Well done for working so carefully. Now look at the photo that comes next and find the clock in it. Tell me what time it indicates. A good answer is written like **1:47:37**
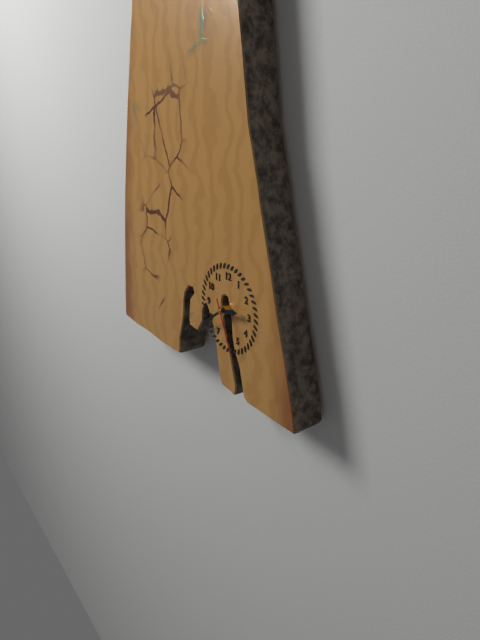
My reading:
**2:39:26**
